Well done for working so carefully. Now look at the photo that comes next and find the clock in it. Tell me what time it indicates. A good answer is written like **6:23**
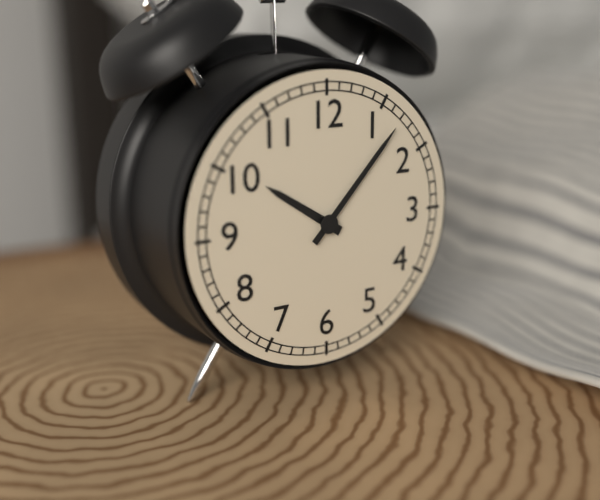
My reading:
**10:07**
